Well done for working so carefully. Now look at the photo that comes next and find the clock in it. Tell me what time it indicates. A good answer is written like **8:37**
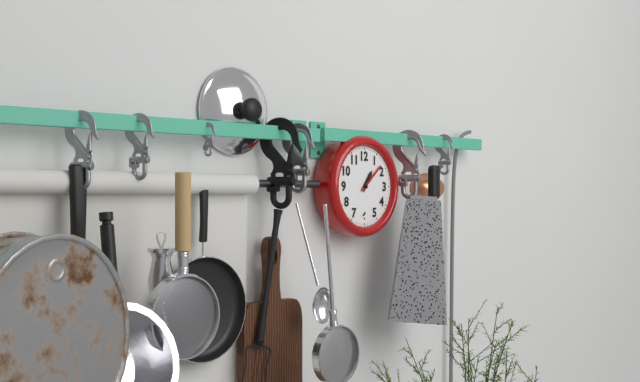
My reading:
**1:08**
